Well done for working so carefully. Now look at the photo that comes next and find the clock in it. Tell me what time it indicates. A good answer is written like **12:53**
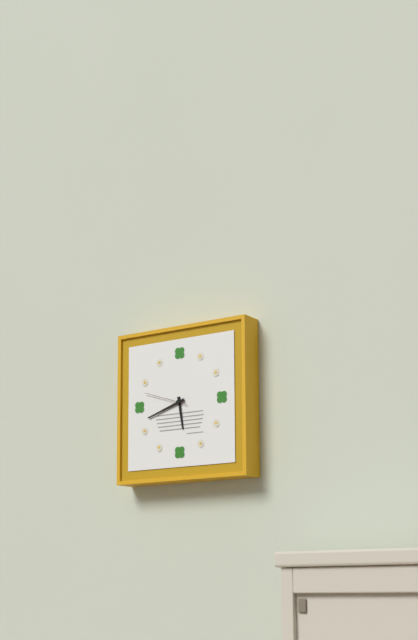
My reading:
**5:42**
